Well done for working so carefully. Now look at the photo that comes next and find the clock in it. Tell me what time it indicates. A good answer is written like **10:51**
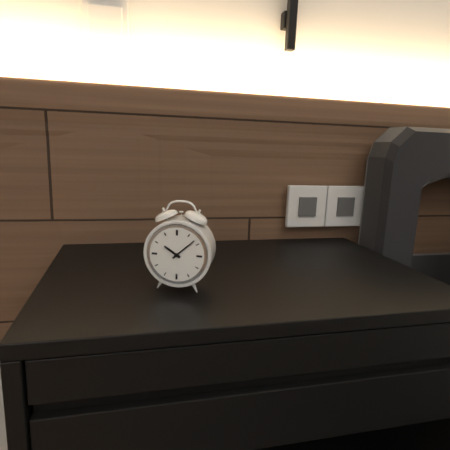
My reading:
**10:08**
